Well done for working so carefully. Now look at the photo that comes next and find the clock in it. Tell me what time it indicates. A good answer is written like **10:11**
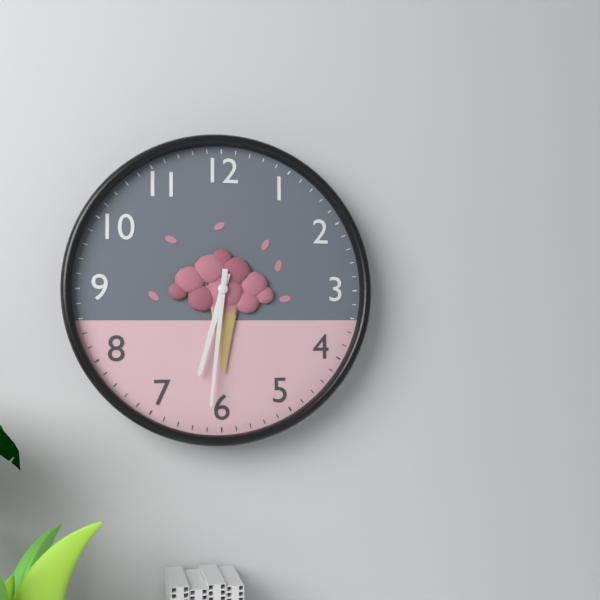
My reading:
**6:31**
